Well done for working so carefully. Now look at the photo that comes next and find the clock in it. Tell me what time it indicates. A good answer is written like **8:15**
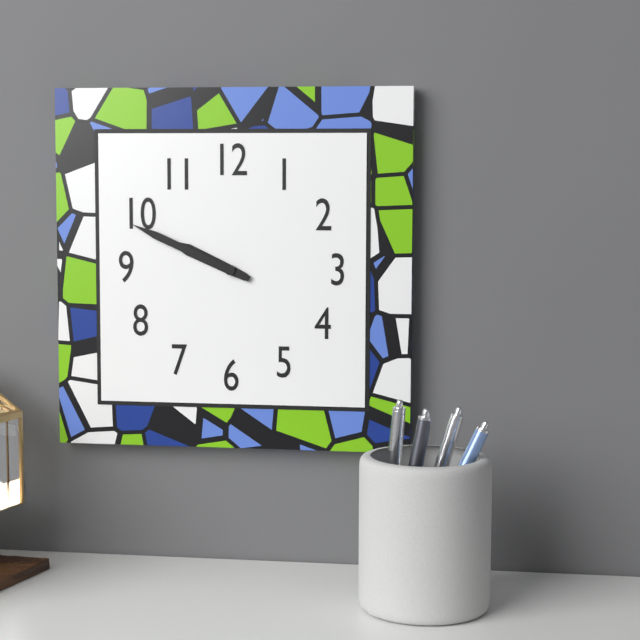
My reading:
**9:49**
